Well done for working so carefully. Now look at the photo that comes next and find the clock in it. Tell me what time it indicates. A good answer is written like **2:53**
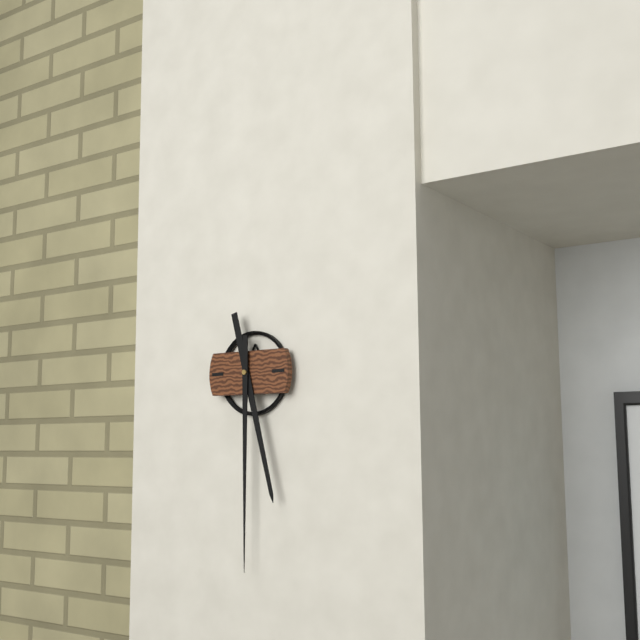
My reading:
**5:30**
